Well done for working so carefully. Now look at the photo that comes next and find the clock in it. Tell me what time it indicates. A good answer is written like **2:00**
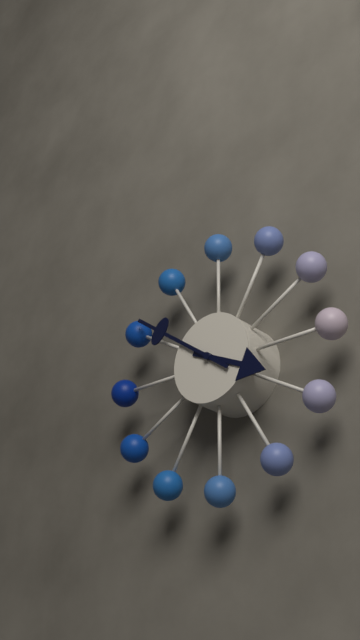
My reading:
**3:51**
